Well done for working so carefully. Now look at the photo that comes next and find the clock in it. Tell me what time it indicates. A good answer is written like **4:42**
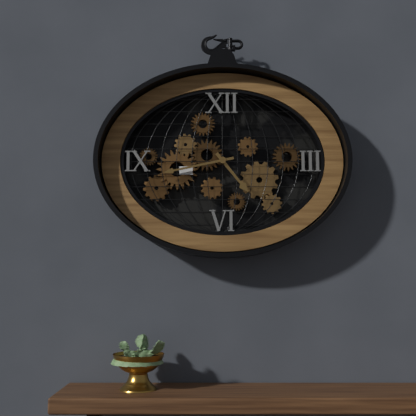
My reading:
**4:43**
